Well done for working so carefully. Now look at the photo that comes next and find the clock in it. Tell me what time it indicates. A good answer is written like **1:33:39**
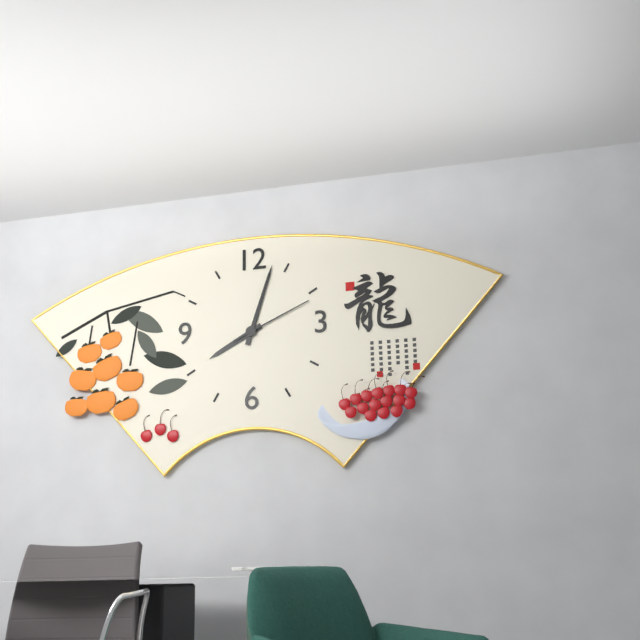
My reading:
**8:03:11**
